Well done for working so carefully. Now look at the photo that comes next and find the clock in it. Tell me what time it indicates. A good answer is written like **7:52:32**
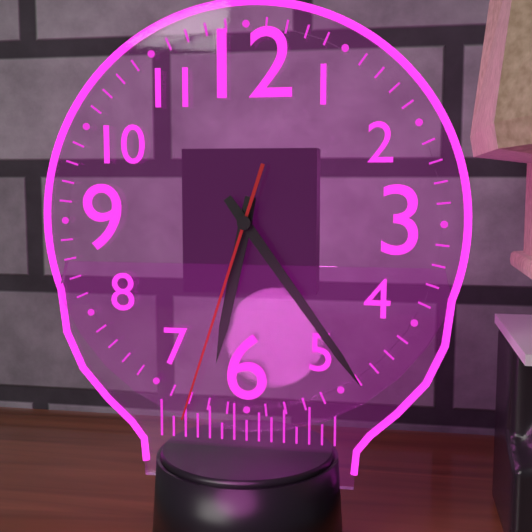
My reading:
**6:24:33**
